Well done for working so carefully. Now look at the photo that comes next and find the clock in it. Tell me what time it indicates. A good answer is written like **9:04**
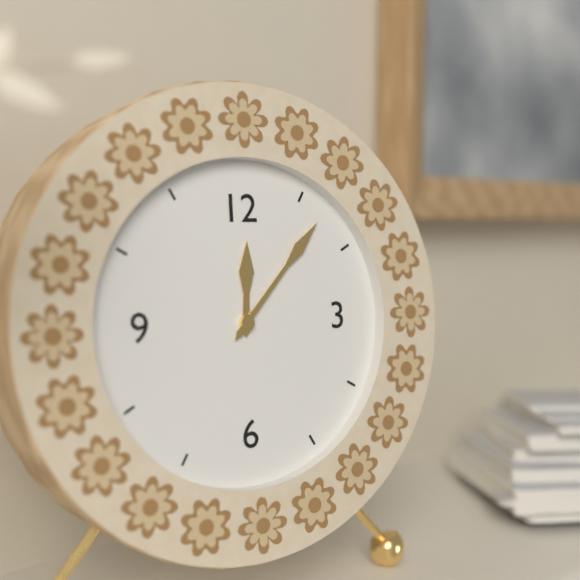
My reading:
**12:07**
